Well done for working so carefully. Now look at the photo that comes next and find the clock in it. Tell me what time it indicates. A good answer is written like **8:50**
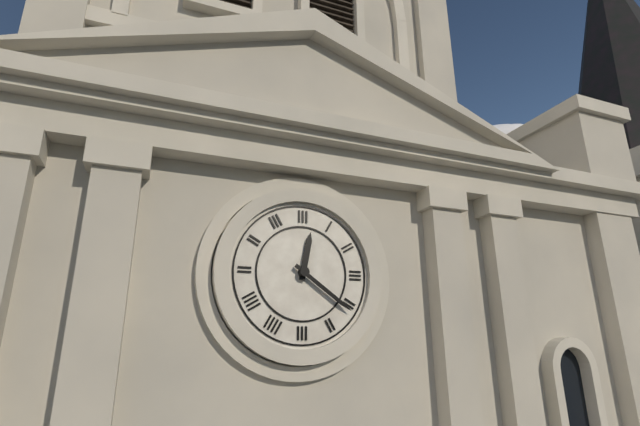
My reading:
**12:21**
